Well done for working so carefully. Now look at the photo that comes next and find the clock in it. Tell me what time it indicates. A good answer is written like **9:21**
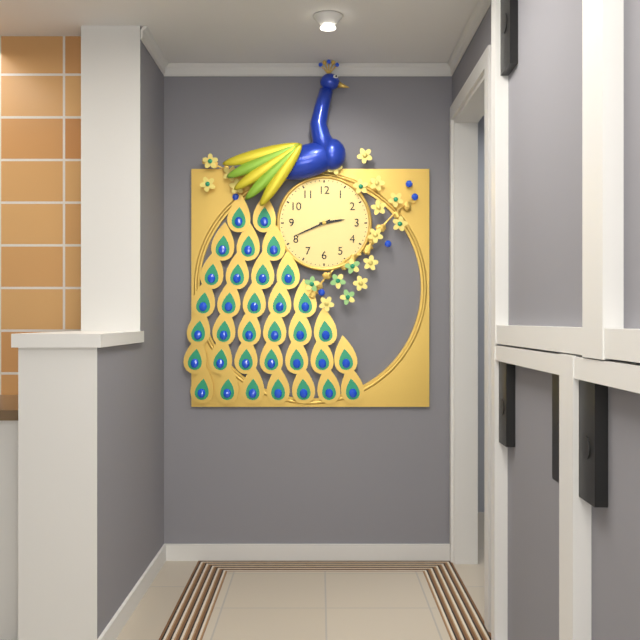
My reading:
**2:41**
